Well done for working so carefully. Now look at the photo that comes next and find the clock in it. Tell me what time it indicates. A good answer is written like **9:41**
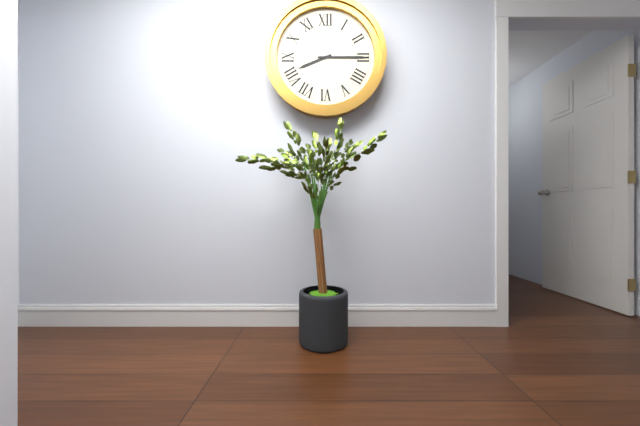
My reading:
**8:15**
